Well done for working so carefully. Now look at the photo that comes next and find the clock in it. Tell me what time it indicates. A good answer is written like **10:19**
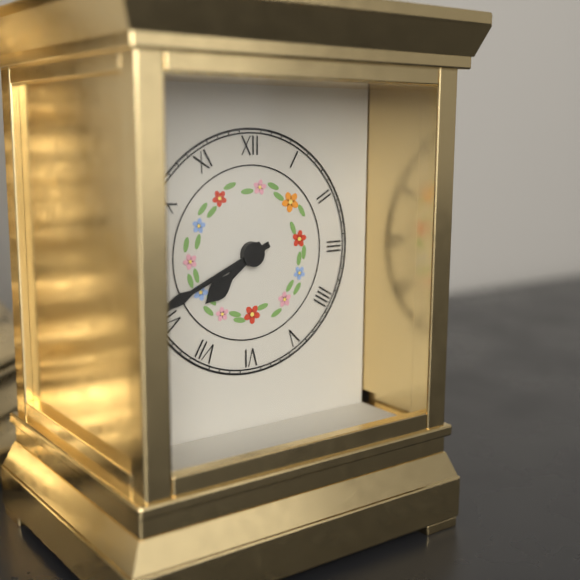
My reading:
**7:41**
